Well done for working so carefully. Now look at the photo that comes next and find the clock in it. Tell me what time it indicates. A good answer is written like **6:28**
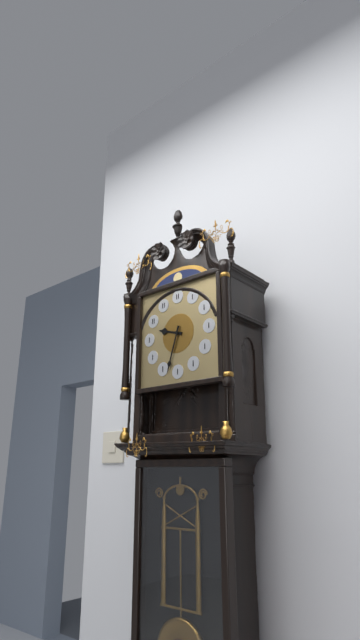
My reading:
**9:33**
